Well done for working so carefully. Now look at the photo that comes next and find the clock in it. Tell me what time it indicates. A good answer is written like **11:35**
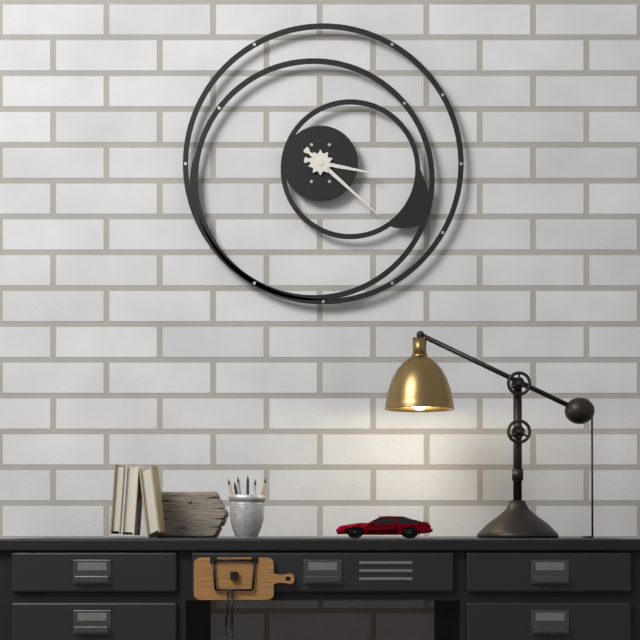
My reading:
**3:22**
